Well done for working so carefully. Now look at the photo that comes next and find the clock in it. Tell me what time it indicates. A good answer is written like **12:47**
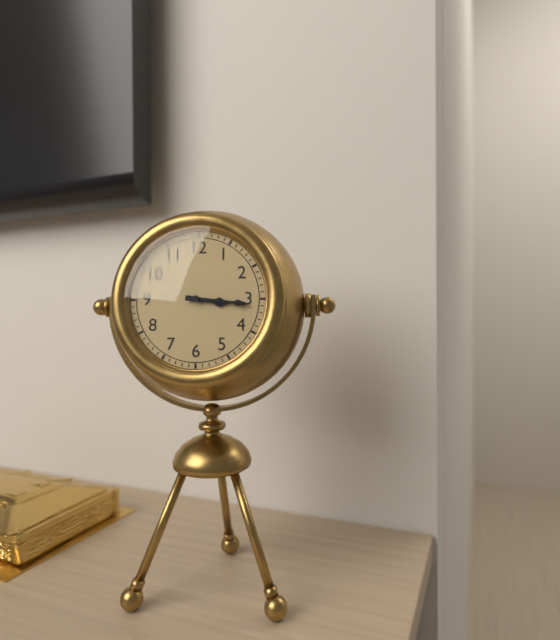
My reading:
**3:16**
